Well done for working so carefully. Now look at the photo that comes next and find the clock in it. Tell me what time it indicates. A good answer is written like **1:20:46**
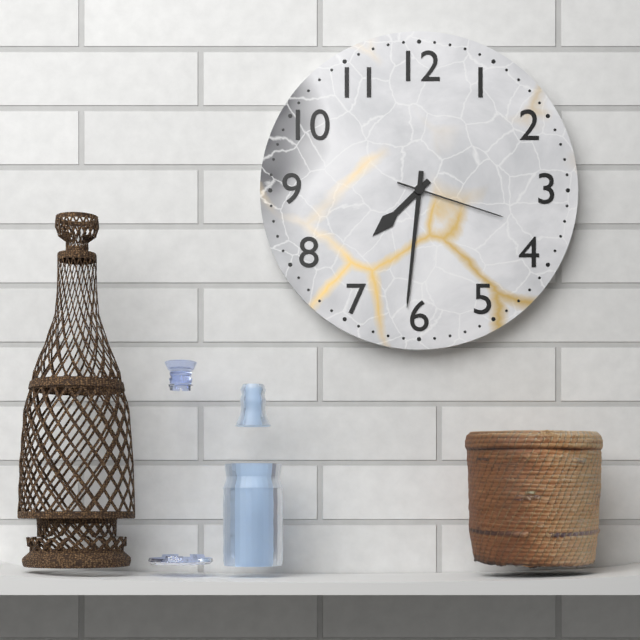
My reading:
**7:31:18**
